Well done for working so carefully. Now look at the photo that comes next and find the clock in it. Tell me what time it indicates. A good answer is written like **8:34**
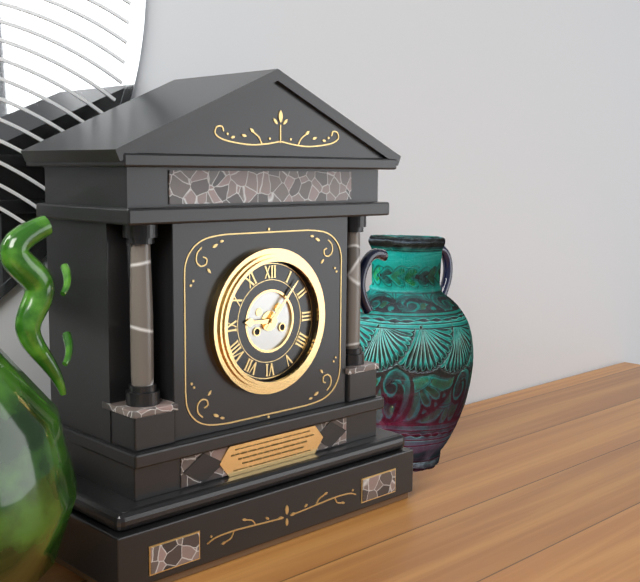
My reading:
**9:07**
